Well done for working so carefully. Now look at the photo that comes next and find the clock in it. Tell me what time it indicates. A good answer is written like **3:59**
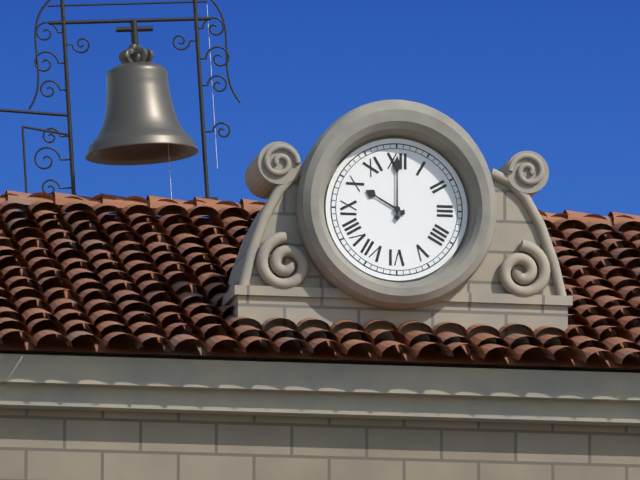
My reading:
**10:00**
